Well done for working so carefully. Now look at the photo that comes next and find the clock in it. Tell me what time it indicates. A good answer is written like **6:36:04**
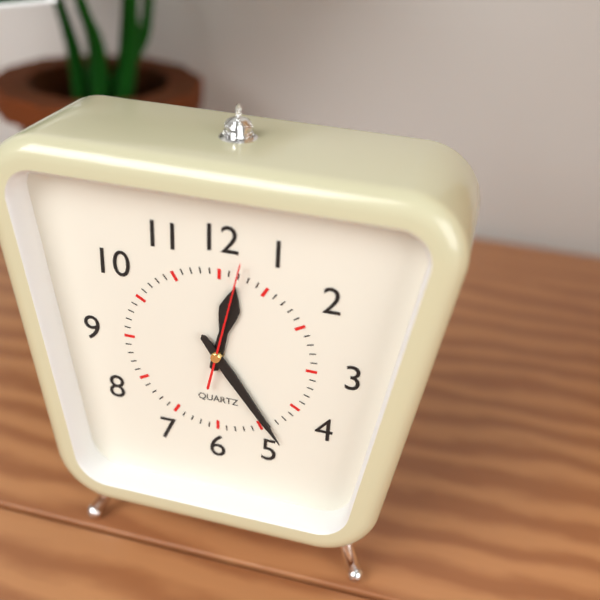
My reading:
**12:24:02**
